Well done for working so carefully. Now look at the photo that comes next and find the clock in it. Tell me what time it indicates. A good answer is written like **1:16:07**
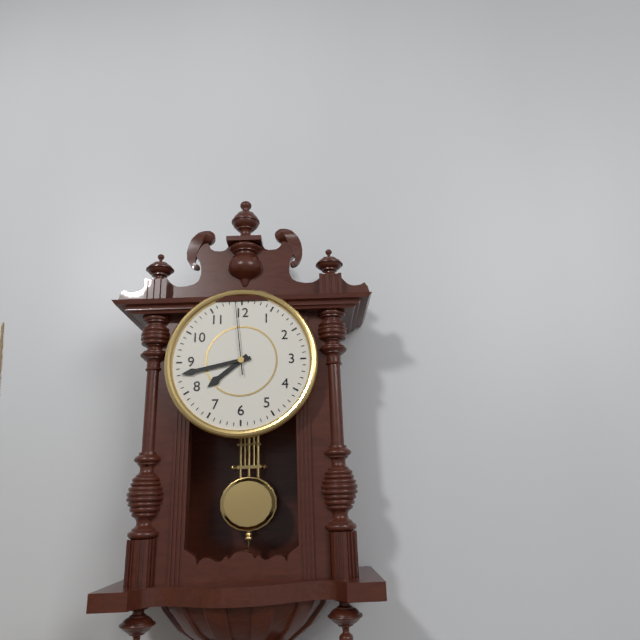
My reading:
**7:43:59**
